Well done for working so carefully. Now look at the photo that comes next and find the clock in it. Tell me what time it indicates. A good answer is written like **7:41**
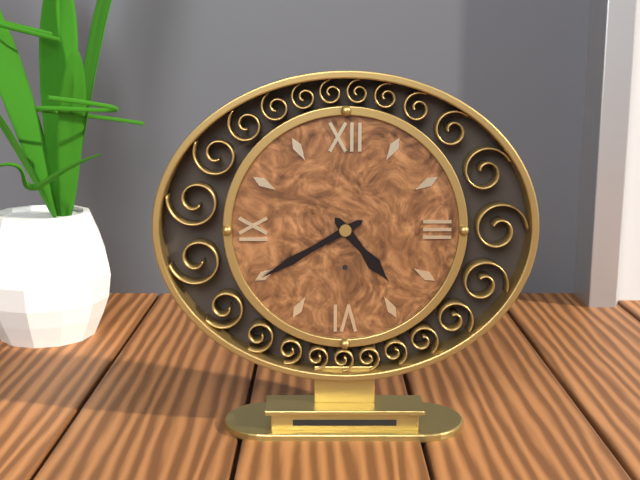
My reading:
**4:40**
